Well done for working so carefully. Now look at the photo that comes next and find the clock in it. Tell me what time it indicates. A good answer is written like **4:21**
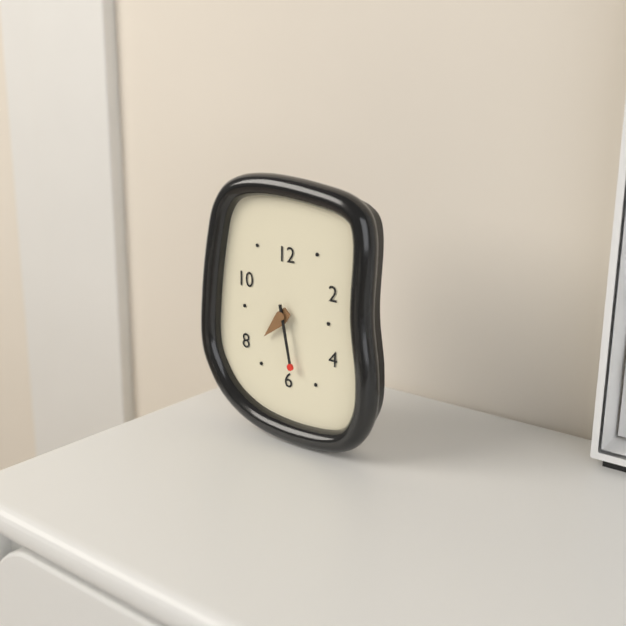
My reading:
**7:28**
